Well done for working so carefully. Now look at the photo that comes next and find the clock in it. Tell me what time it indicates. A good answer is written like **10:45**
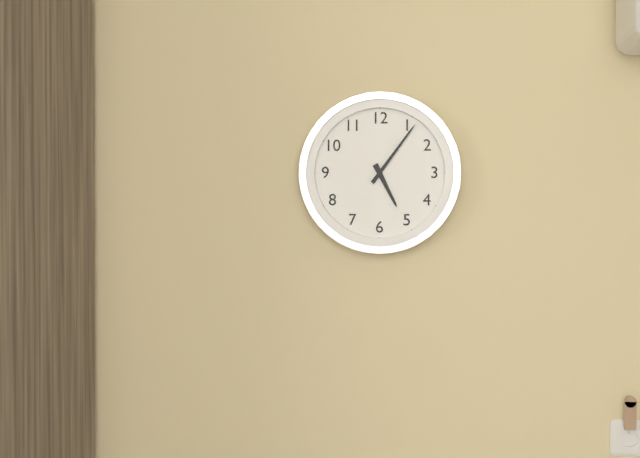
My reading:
**5:06**
